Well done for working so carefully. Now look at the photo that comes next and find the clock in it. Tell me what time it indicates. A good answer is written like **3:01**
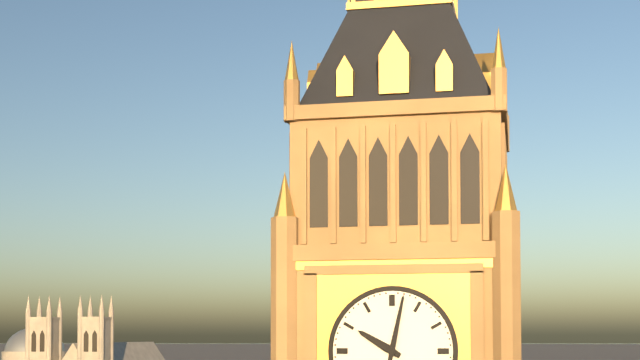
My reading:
**10:02**
